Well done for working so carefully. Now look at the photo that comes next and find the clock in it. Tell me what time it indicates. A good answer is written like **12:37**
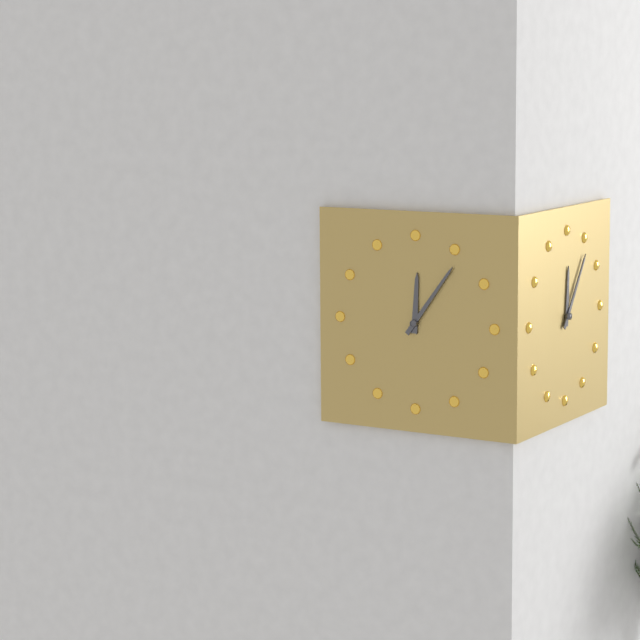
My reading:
**12:06**
